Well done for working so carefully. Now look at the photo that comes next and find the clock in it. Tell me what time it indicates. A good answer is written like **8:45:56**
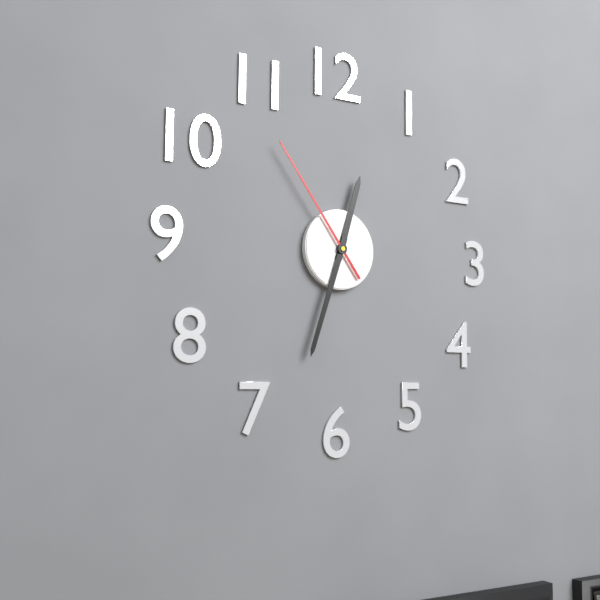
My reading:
**12:33:54**
